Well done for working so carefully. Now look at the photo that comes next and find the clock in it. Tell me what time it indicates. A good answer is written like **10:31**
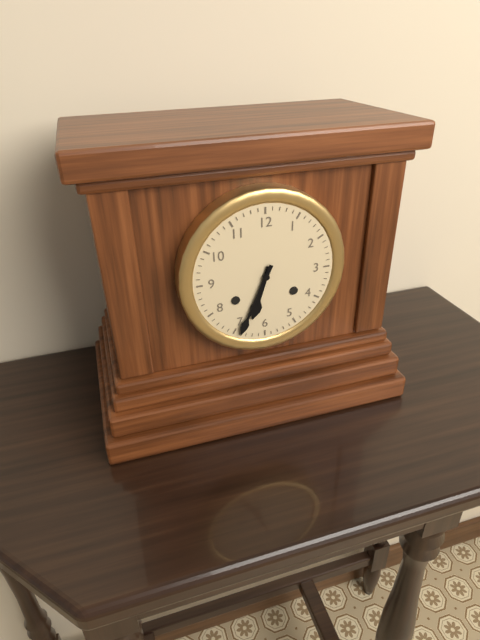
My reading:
**6:34**
